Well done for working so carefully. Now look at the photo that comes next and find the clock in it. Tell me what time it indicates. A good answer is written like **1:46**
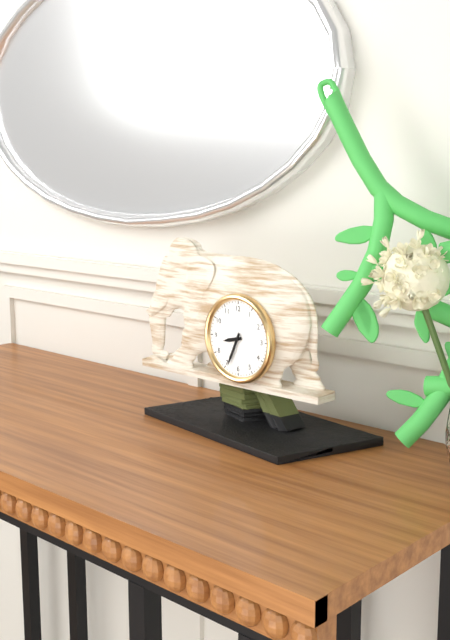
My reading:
**8:34**
